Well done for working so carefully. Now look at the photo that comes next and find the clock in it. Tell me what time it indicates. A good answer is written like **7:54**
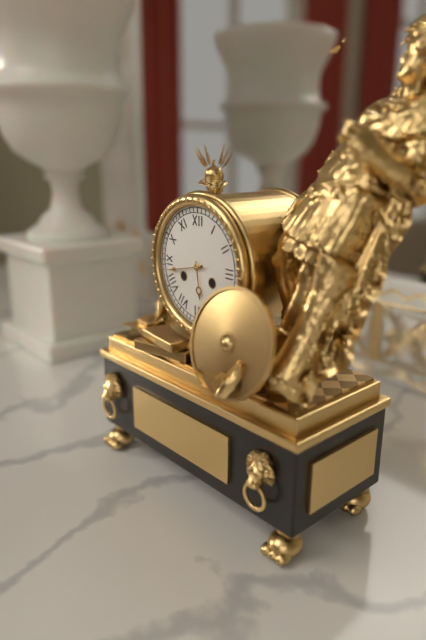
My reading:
**5:43**
